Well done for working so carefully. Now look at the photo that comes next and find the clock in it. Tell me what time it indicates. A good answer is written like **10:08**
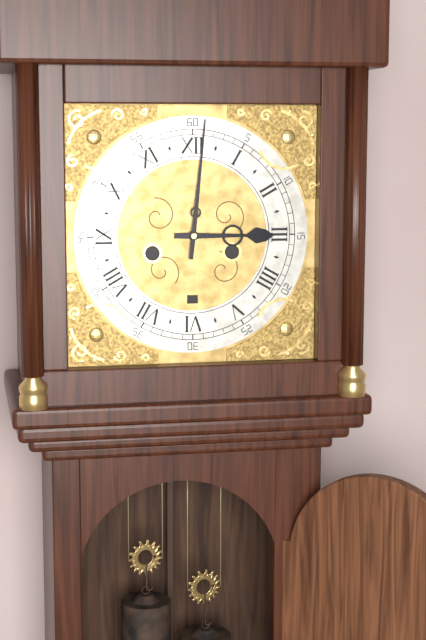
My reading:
**3:01**
